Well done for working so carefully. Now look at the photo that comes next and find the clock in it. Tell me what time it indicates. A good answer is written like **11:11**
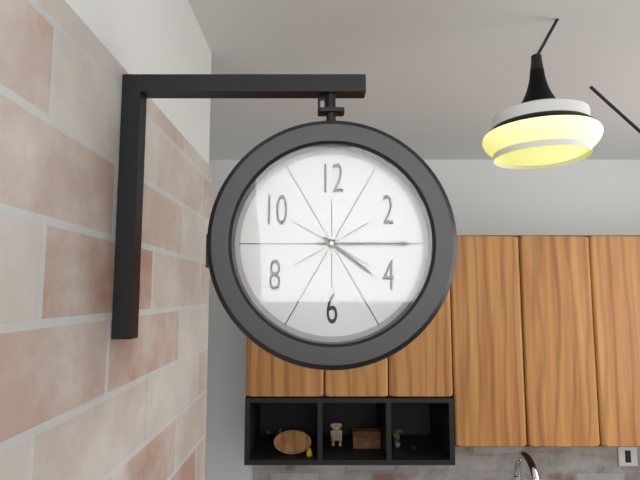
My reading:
**4:15**
